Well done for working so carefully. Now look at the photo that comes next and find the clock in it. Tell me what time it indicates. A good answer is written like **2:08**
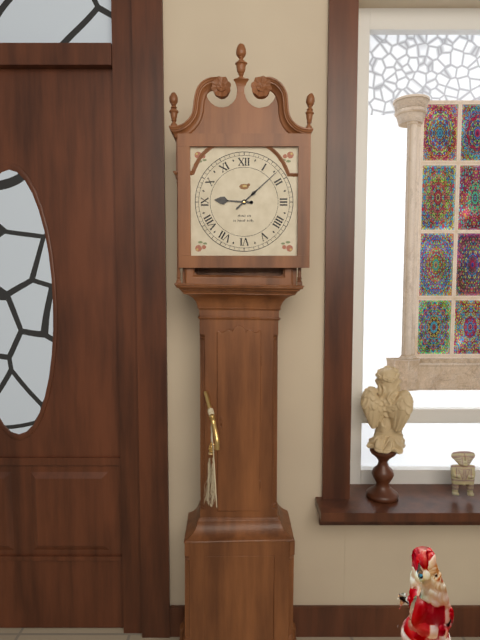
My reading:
**9:08**
